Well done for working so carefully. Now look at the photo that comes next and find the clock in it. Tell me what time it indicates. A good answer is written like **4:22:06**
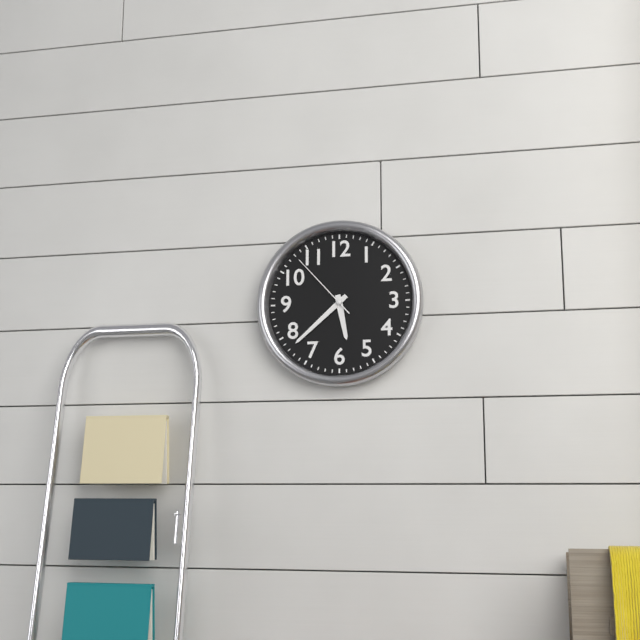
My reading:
**5:38:53**
